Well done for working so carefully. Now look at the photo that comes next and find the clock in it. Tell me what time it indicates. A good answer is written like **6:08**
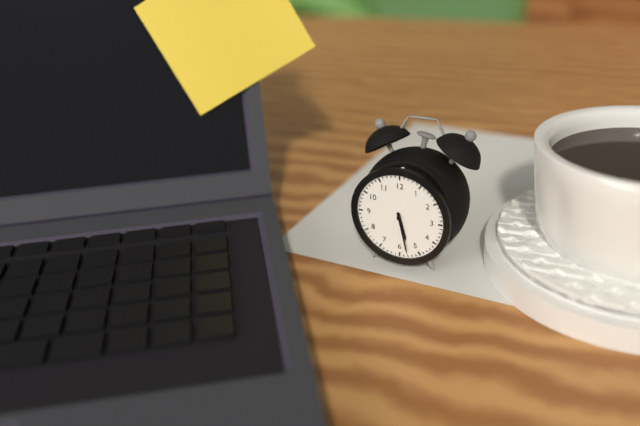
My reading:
**5:28**
